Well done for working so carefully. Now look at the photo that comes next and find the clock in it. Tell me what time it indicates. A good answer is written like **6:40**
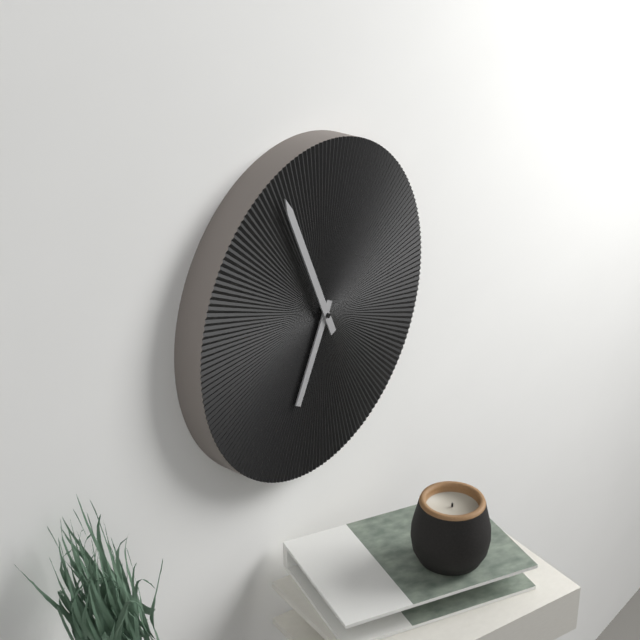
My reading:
**6:56**
